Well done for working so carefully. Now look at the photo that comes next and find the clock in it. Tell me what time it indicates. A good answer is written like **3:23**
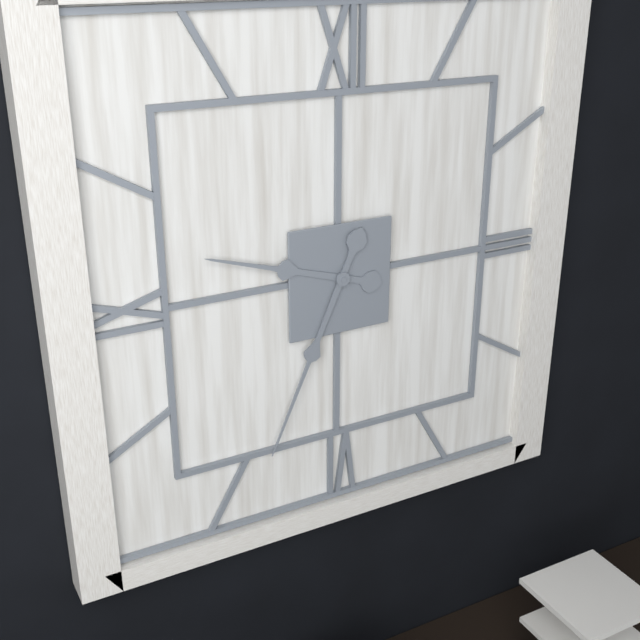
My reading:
**9:34**
